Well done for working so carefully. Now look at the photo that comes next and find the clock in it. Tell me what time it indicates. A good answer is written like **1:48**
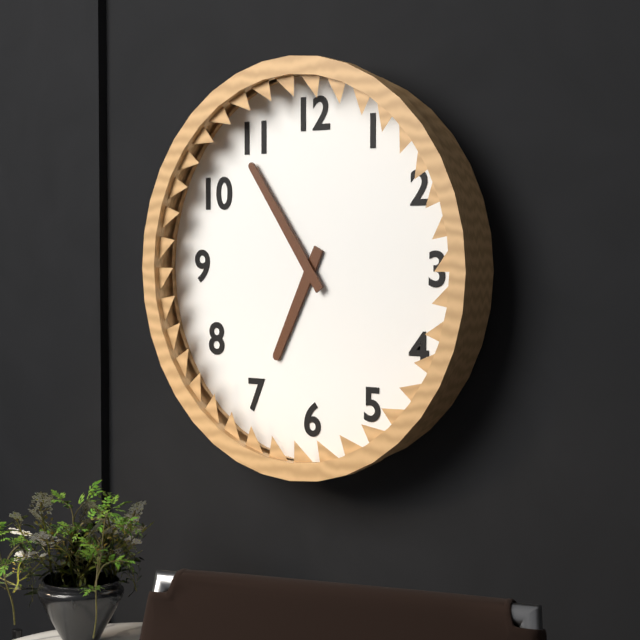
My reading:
**6:54**
